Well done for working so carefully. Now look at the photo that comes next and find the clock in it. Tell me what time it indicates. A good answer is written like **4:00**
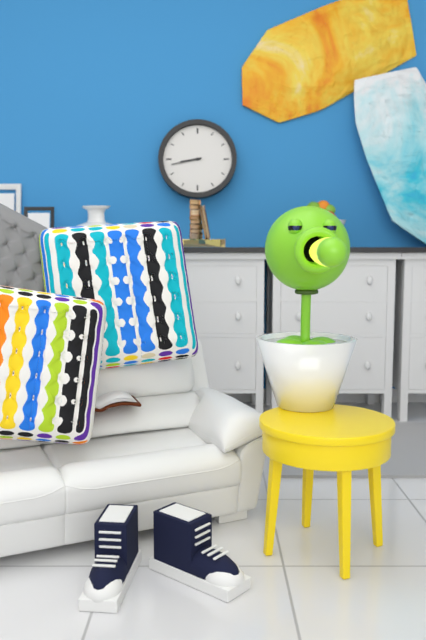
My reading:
**8:43**
